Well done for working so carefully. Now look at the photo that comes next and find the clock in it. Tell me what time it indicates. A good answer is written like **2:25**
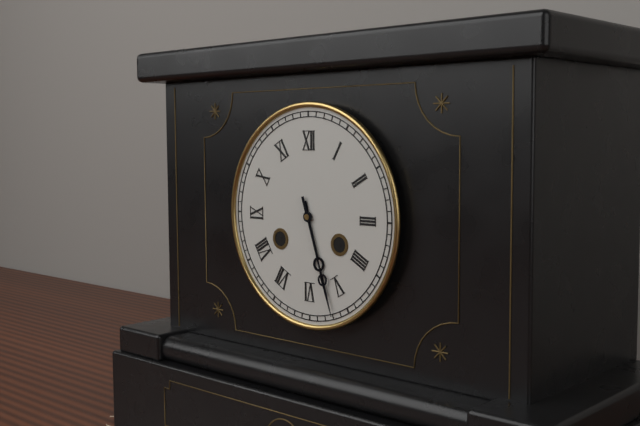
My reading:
**5:27**
